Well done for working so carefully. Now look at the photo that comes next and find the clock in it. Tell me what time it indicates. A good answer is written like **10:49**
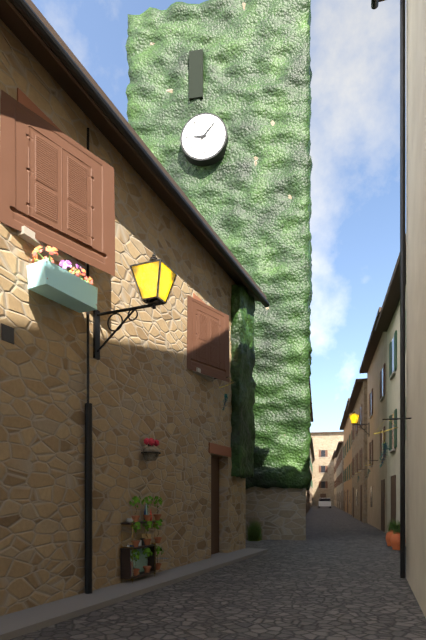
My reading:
**9:07**
